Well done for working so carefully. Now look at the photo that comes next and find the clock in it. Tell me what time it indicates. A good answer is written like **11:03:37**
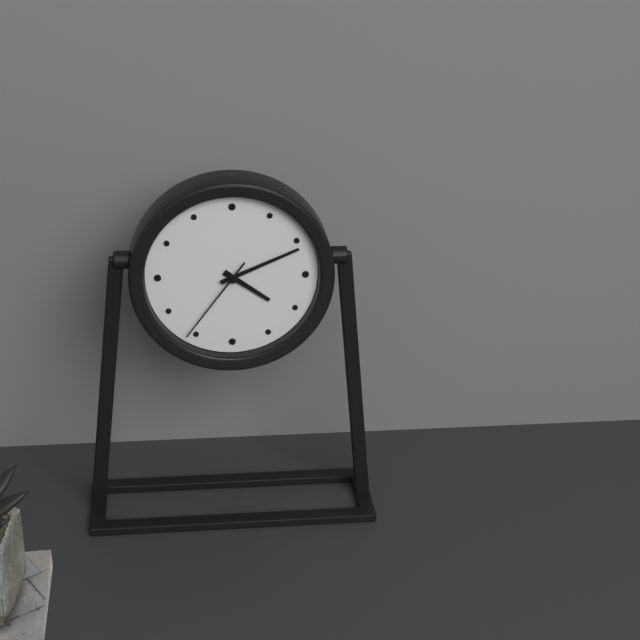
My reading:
**4:11:36**
